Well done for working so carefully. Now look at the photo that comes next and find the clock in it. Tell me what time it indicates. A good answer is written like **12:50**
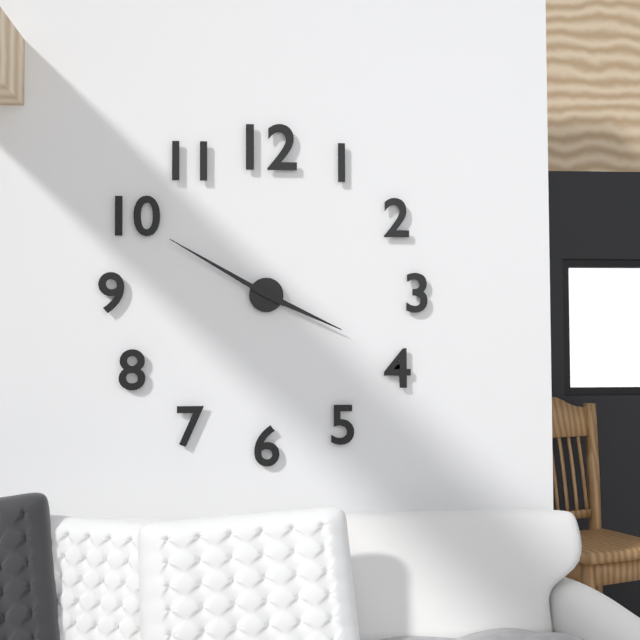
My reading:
**3:50**
